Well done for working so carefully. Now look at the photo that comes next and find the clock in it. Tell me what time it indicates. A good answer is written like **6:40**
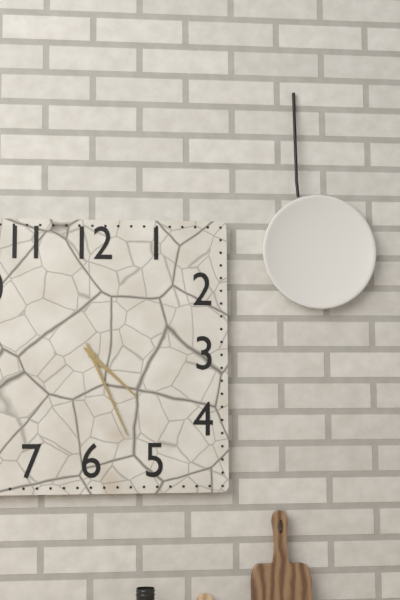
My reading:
**4:26**
